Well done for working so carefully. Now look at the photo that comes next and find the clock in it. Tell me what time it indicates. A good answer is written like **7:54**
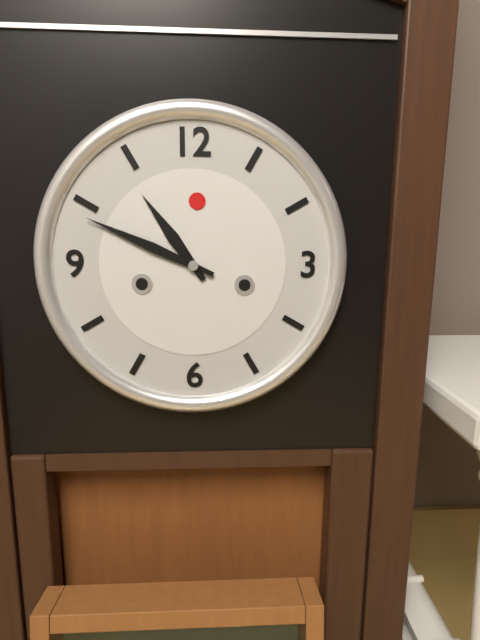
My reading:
**10:49**
